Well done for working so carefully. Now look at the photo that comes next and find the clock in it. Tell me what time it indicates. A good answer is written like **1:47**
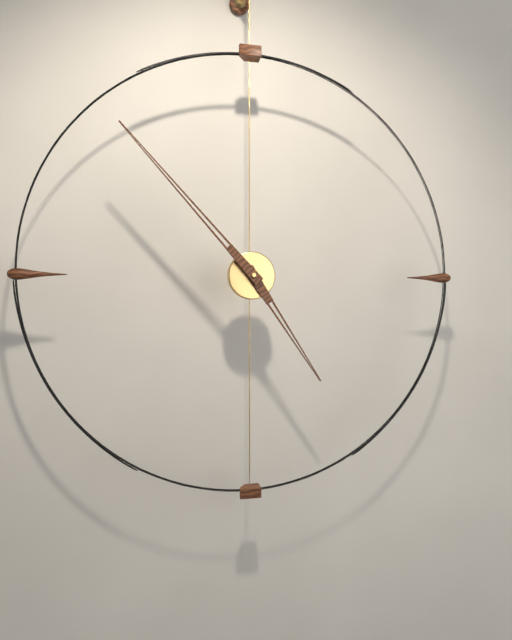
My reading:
**4:53**
